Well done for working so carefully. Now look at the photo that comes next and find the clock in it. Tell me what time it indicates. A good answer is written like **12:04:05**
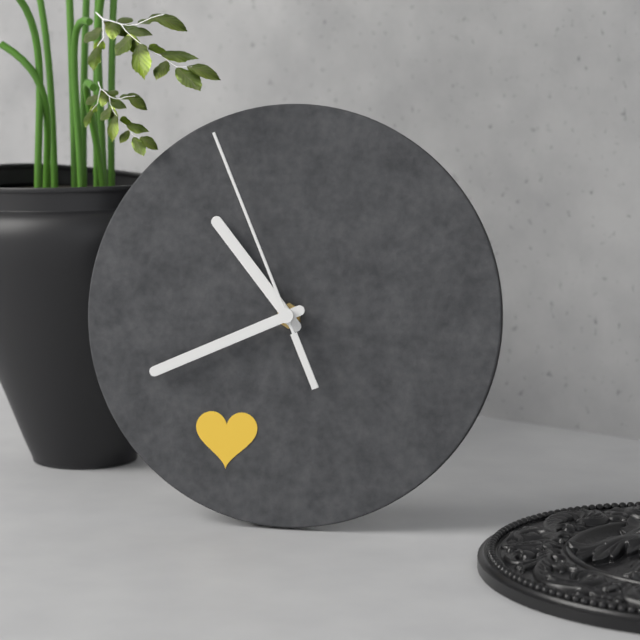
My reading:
**10:41:56**
